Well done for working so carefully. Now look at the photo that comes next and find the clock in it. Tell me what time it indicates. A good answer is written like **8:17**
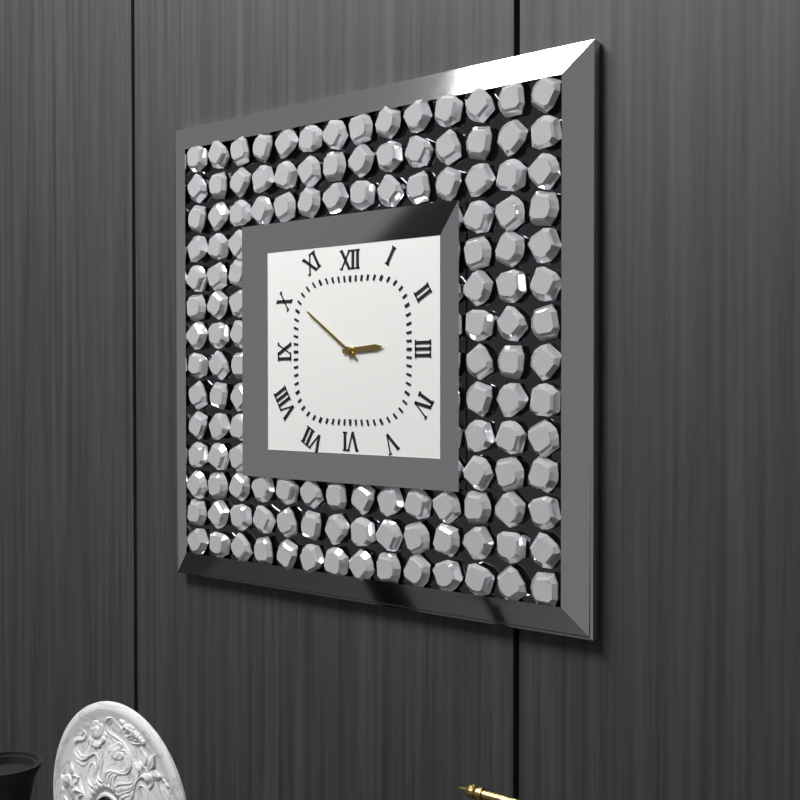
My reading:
**2:51**
